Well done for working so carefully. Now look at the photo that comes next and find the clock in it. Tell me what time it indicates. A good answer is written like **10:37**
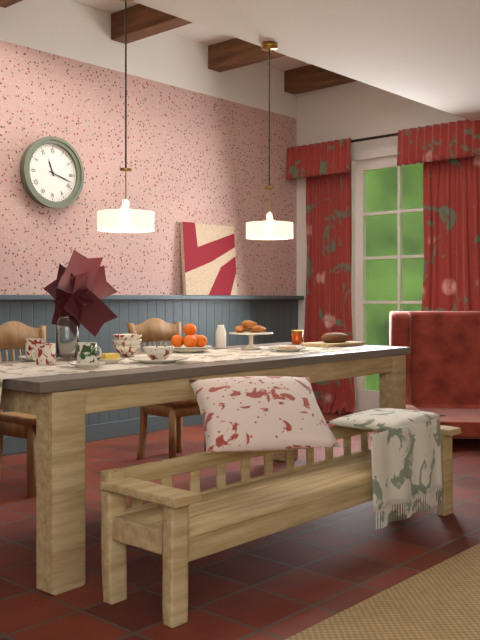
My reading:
**11:18**
